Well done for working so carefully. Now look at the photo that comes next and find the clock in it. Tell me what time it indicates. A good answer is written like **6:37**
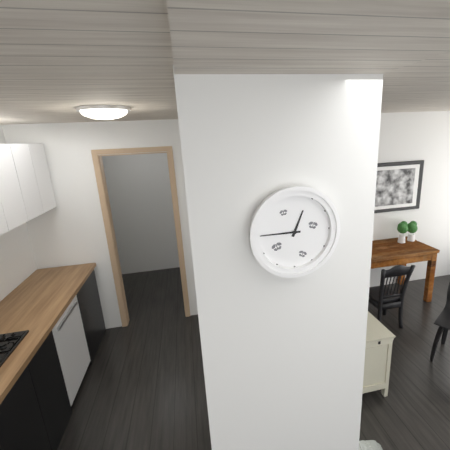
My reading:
**12:45**
